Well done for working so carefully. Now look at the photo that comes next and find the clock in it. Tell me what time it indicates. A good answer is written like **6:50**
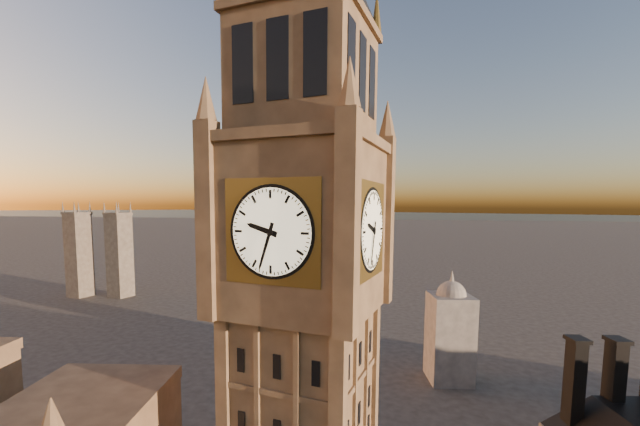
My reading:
**9:33**
